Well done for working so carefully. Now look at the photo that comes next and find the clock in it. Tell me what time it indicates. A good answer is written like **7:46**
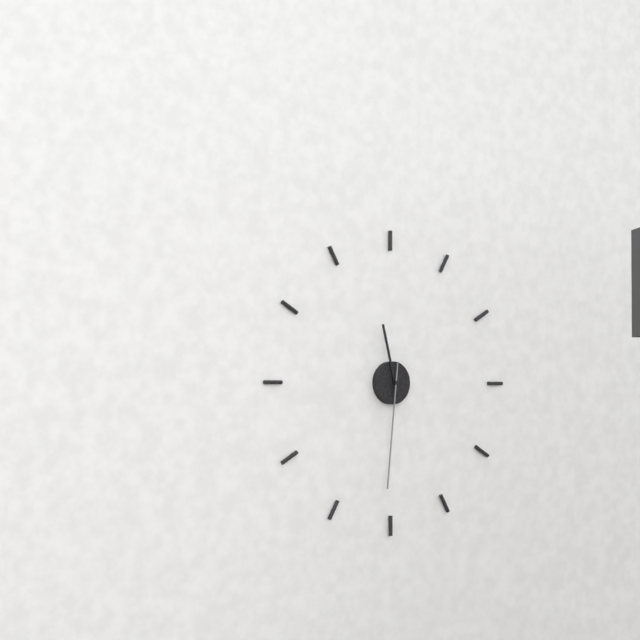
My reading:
**11:31**
